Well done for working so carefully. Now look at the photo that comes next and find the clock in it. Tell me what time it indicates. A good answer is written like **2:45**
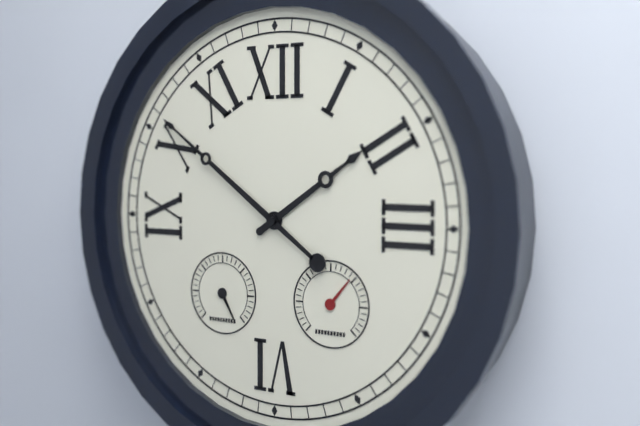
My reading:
**1:51**
